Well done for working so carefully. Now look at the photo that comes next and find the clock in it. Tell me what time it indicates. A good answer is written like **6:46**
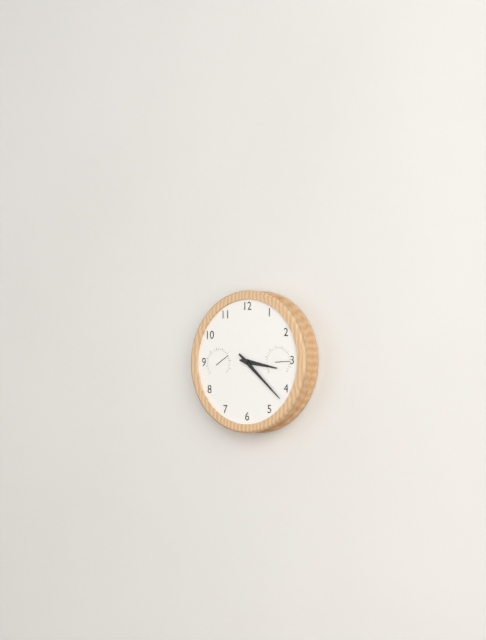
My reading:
**3:22**
